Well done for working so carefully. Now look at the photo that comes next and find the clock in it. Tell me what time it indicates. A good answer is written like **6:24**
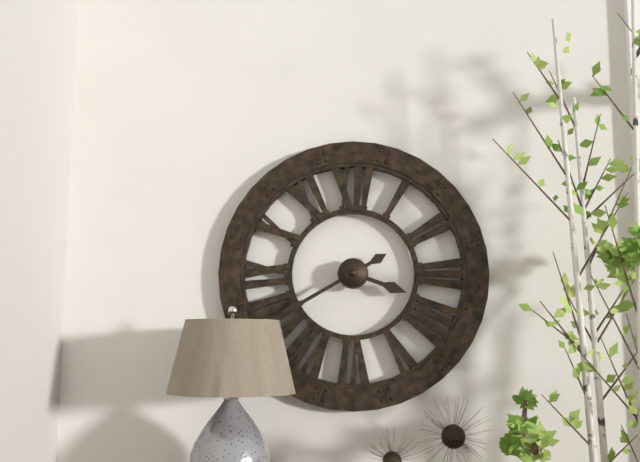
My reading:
**3:40**
